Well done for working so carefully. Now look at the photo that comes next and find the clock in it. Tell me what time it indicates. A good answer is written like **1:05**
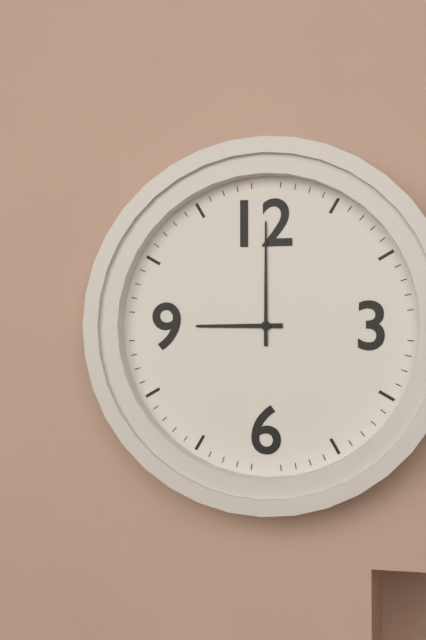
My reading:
**9:00**
